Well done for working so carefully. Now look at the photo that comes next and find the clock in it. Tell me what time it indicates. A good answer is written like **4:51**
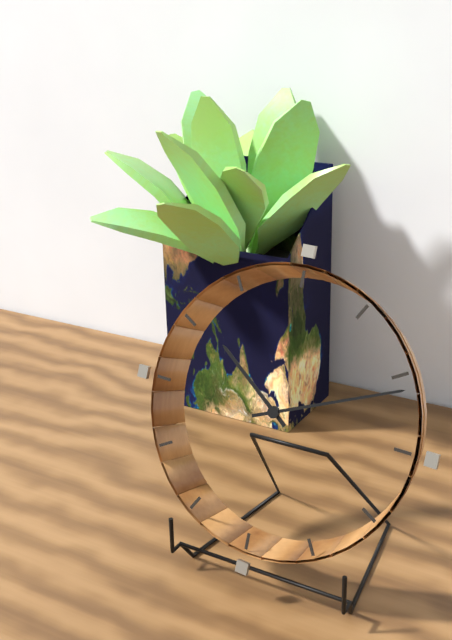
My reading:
**10:11**
